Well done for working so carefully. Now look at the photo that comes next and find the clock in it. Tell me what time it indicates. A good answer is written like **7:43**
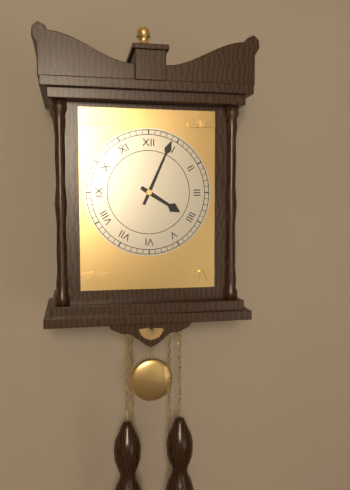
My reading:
**4:04**
